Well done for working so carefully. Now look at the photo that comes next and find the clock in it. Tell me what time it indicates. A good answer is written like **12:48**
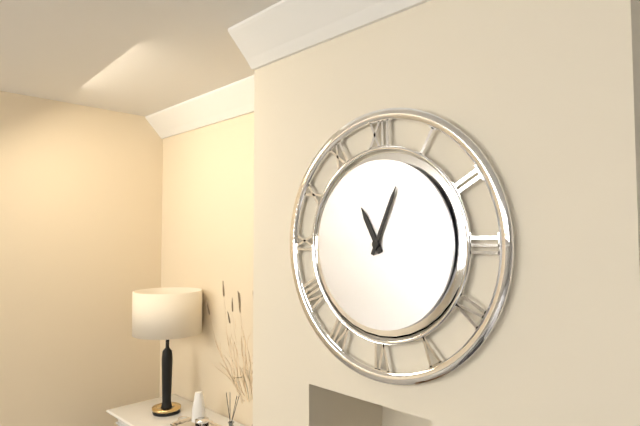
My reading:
**11:04**
